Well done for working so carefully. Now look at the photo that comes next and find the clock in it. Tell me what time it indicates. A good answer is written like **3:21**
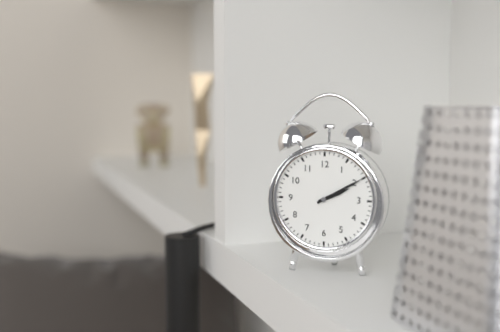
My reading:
**2:10**
